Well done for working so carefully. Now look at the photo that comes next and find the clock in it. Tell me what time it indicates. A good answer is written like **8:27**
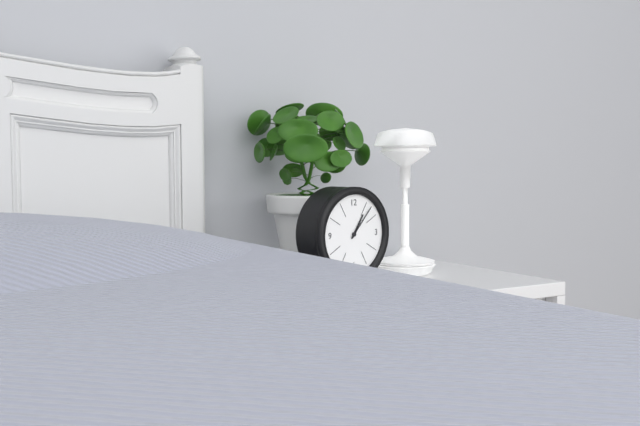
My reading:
**1:07**
